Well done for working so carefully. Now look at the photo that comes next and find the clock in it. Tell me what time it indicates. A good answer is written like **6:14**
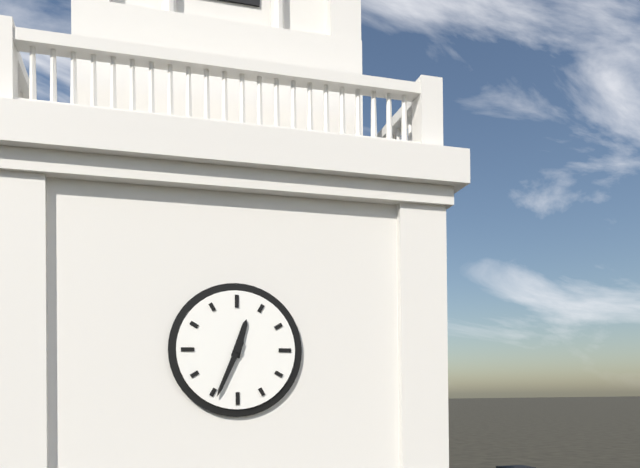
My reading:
**12:34**
